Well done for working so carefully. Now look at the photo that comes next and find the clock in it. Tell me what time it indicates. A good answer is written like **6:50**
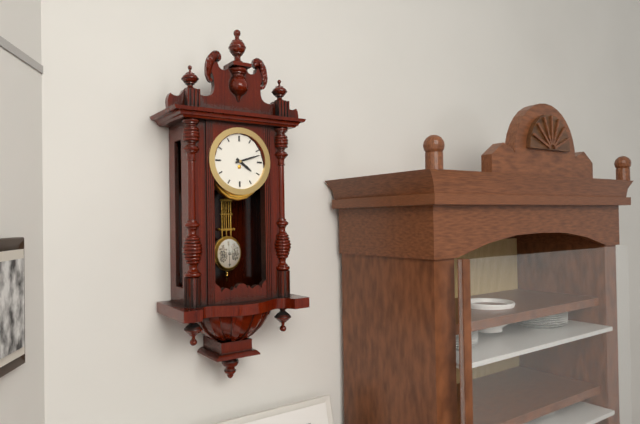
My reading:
**4:12**
